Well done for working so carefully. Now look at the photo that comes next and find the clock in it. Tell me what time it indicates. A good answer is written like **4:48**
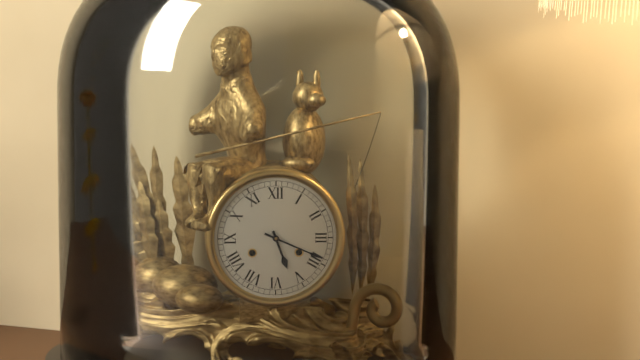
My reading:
**5:19**
